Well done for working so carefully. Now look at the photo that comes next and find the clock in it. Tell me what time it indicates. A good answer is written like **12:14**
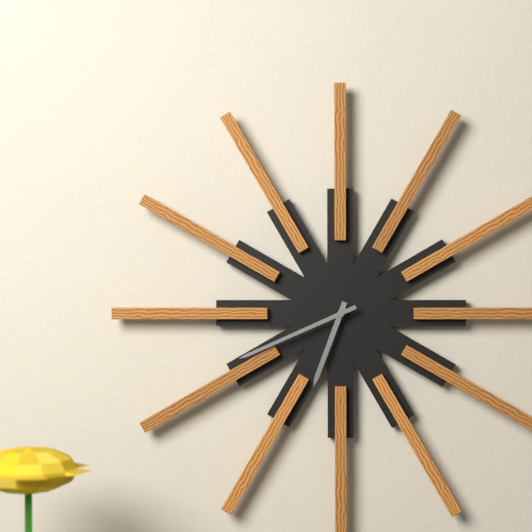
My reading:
**6:41**
